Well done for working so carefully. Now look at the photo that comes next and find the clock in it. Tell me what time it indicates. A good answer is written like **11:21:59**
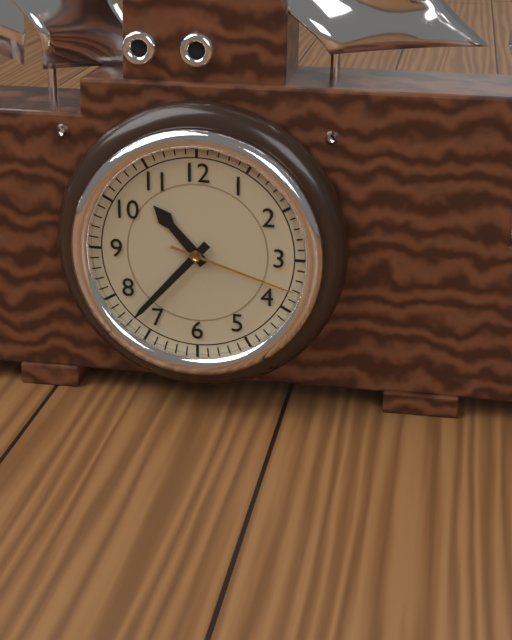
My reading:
**10:37:18**
